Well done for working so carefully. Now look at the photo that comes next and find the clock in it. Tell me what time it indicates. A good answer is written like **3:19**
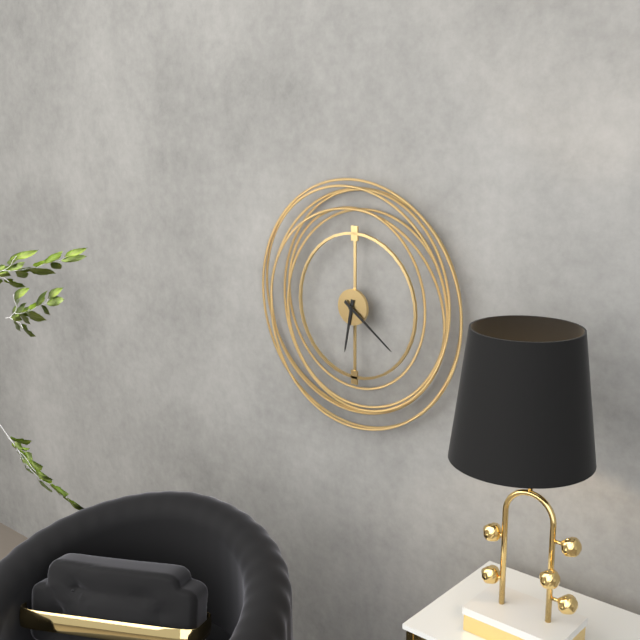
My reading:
**6:21**
